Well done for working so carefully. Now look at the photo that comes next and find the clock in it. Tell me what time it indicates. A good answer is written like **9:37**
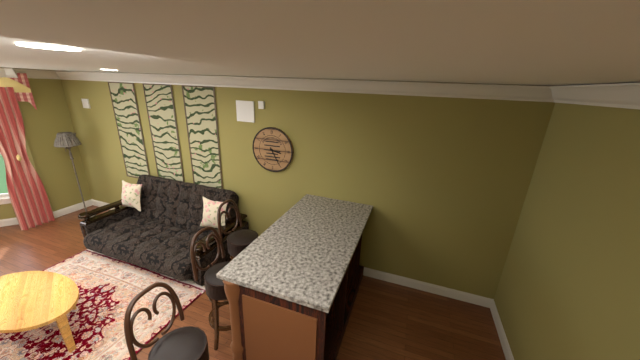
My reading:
**3:25**
